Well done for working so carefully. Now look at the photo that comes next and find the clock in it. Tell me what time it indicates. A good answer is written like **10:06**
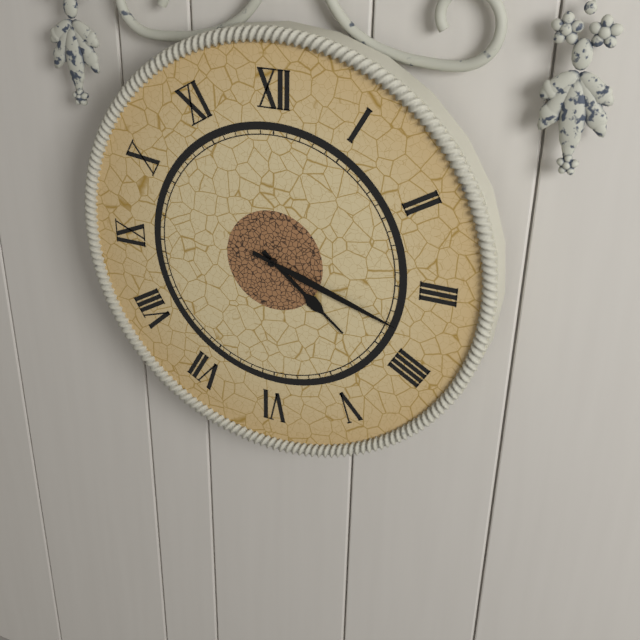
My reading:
**4:18**
